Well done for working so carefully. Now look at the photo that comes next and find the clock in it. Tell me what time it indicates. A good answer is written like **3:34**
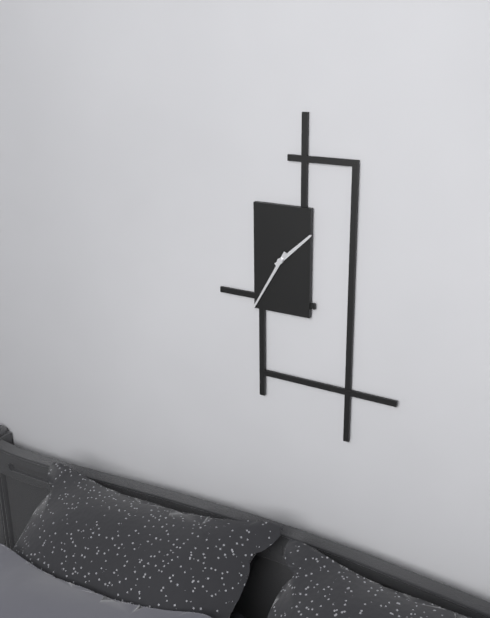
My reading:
**1:35**
